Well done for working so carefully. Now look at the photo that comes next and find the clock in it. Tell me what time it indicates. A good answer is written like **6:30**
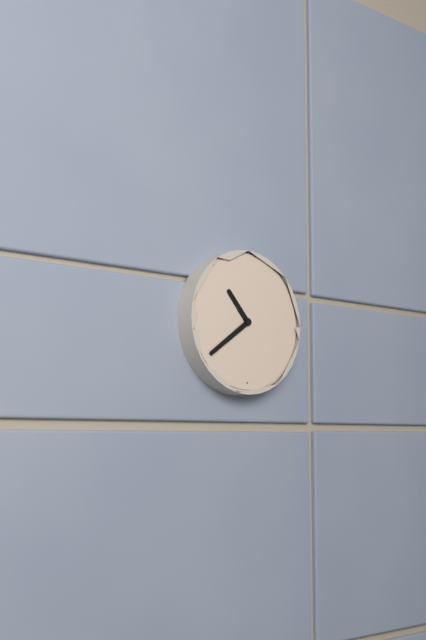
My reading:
**10:39**
